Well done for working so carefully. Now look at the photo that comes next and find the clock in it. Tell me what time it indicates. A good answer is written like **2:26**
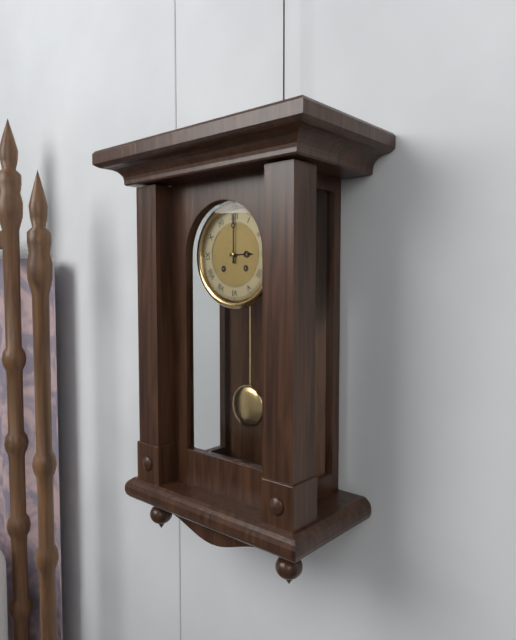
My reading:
**3:00**
